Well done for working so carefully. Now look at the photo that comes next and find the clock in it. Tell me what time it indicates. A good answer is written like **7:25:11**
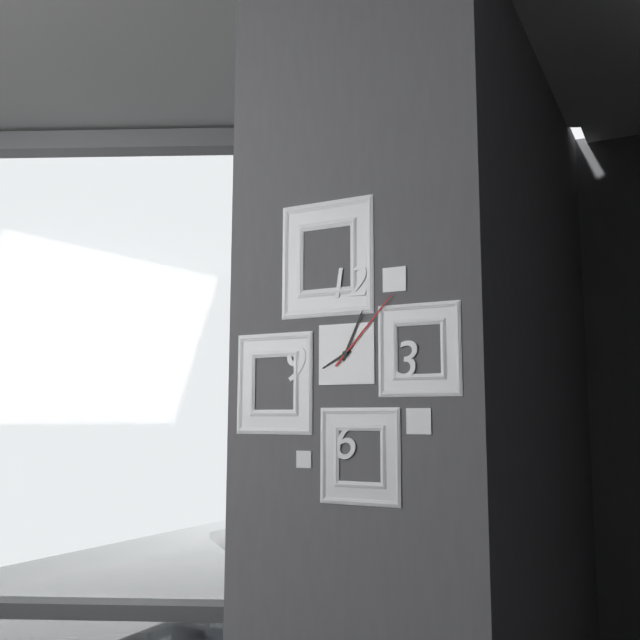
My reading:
**8:04:07**
